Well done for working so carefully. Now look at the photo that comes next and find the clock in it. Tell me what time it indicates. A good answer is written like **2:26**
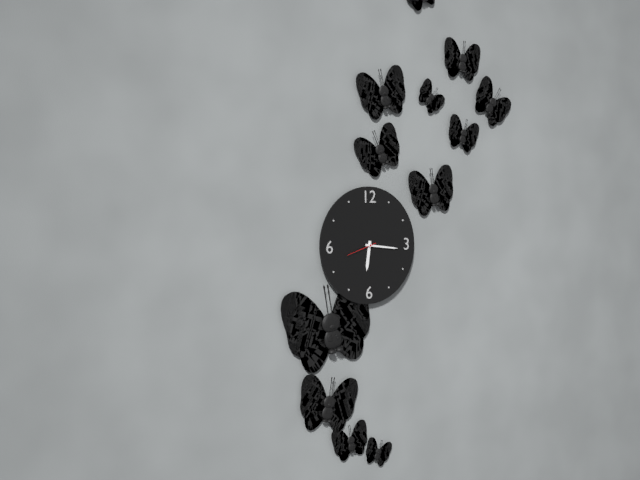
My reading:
**6:16**
